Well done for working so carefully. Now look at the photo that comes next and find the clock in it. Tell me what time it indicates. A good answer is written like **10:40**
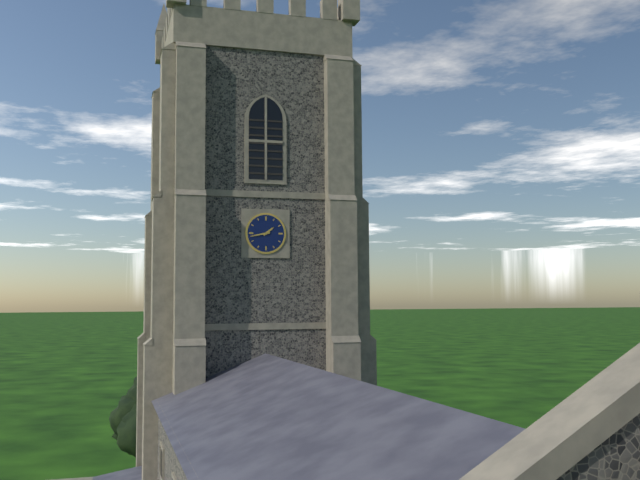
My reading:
**1:43**
